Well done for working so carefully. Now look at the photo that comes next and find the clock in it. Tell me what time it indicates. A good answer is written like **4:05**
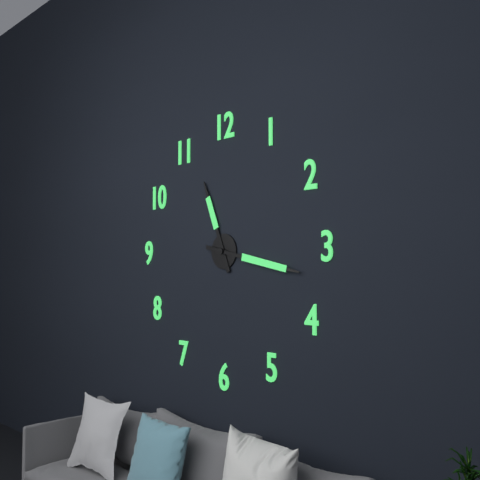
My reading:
**11:17**
